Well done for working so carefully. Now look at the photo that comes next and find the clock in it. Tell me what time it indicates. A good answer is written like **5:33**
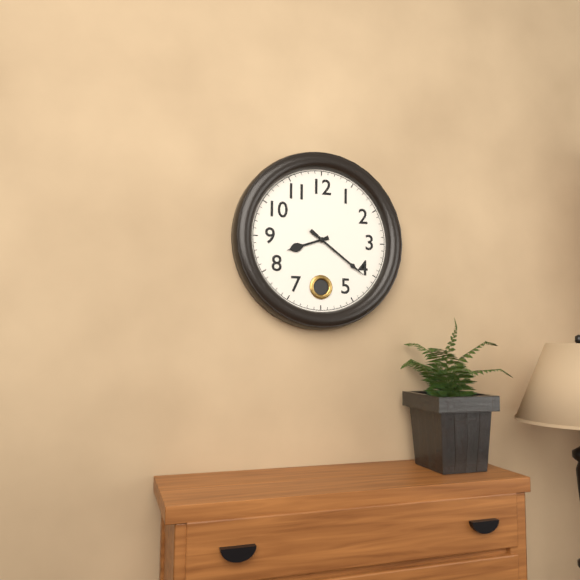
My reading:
**8:21**
